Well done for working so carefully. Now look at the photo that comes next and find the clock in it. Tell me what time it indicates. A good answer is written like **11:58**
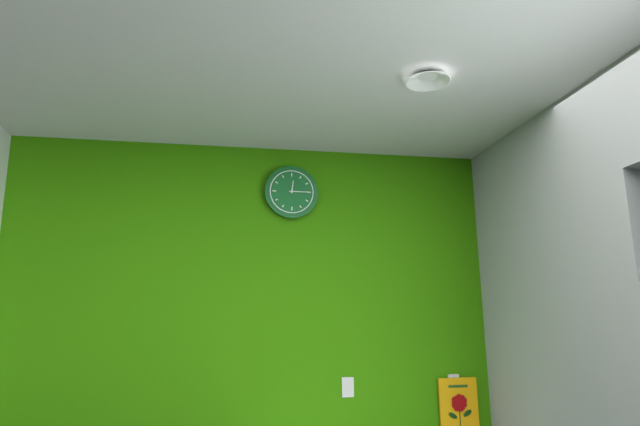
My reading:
**12:15**
